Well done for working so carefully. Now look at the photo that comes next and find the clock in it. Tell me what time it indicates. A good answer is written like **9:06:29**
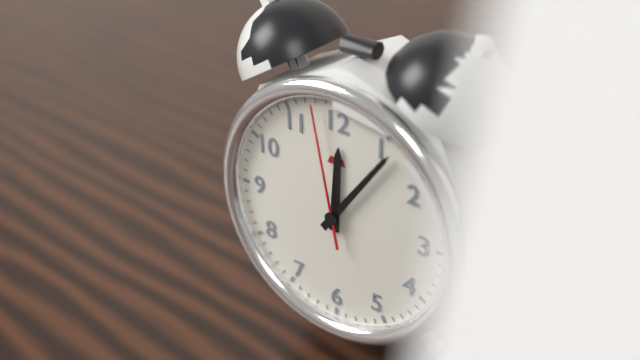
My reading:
**12:06:58**
